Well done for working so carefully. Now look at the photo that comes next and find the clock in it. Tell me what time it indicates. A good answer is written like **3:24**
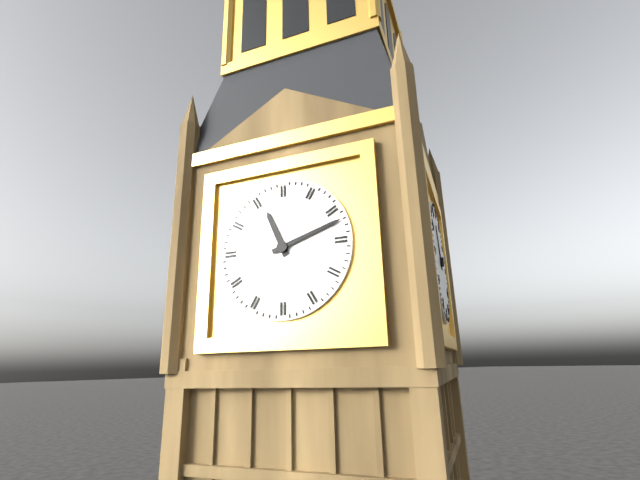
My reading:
**11:12**
